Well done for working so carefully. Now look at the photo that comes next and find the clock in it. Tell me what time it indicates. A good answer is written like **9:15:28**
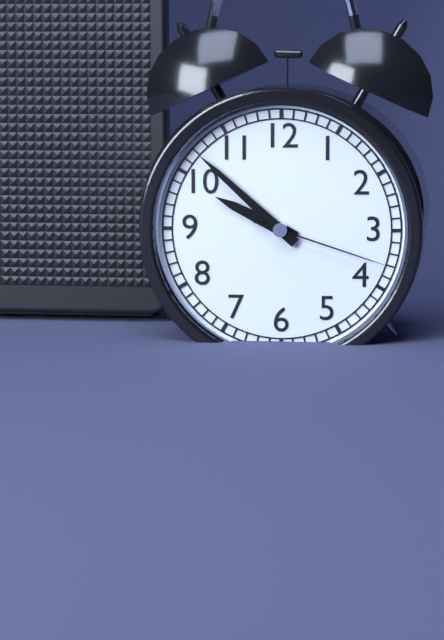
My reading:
**9:52:18**
